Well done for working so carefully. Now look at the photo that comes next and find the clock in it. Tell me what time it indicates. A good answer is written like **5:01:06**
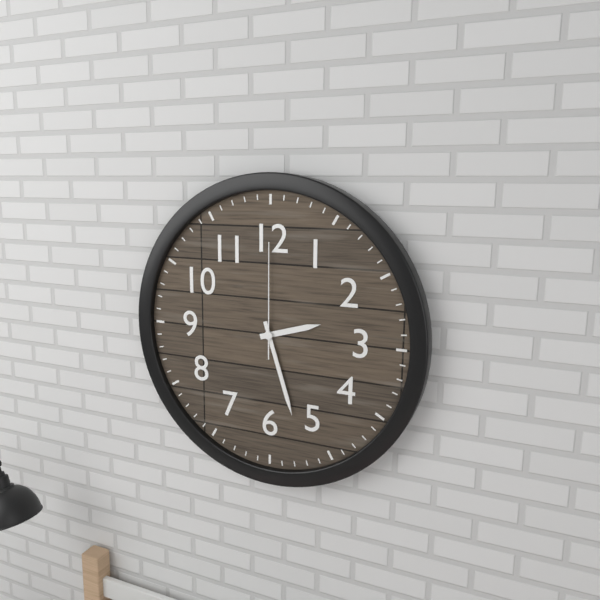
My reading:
**2:27:00**
